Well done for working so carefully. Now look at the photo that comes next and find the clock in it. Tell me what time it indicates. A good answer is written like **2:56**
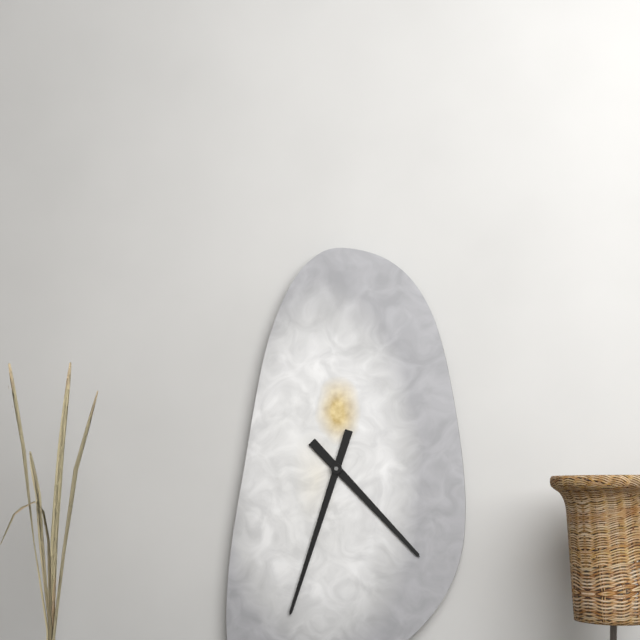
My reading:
**4:33**
